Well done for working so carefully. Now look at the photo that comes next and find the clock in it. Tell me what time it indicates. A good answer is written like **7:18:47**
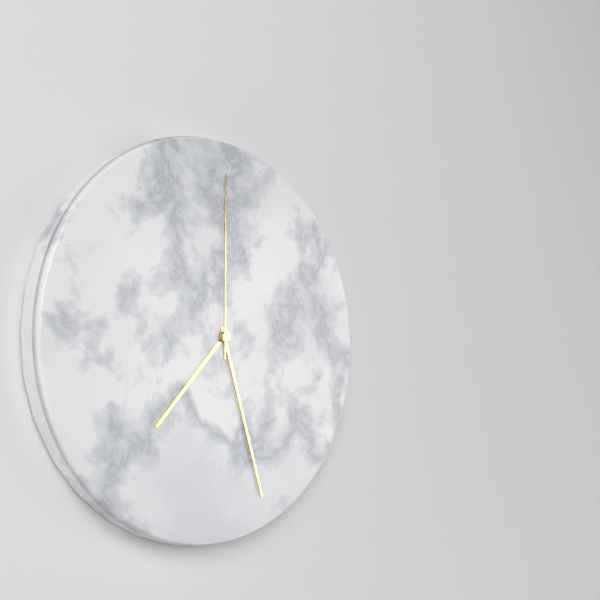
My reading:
**7:27:00**
